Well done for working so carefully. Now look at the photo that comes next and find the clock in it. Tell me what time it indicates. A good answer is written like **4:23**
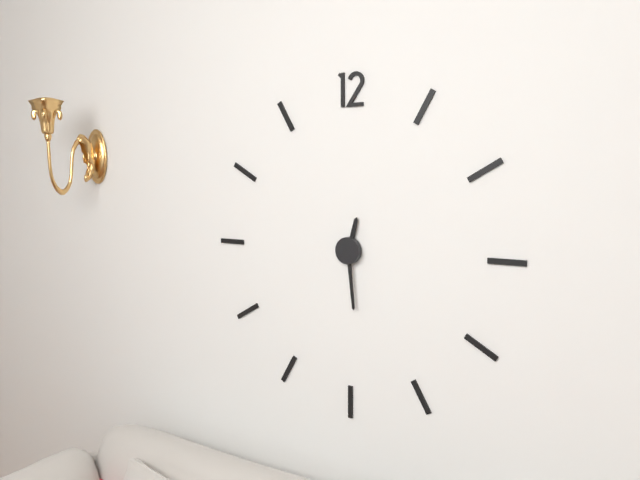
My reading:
**12:29**
